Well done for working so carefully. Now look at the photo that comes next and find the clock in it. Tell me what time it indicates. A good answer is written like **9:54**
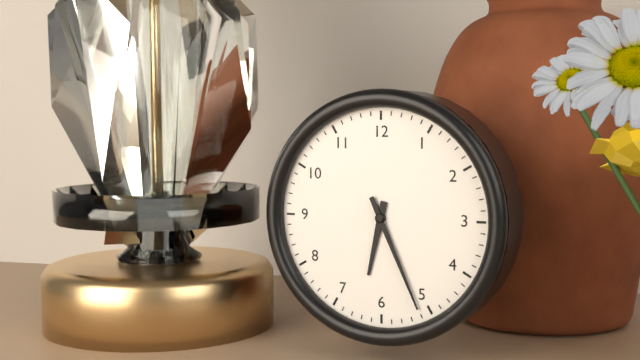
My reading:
**6:26**
